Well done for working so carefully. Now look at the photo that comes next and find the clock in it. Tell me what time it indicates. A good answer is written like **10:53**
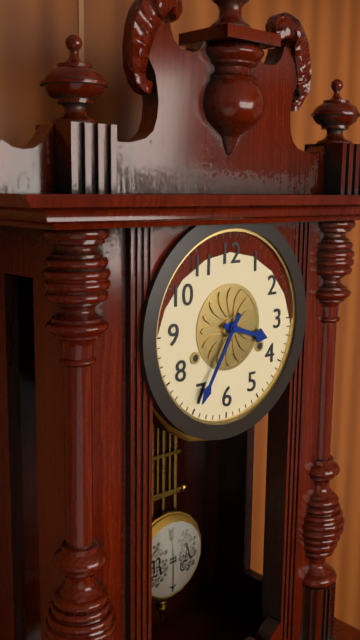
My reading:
**3:35**
